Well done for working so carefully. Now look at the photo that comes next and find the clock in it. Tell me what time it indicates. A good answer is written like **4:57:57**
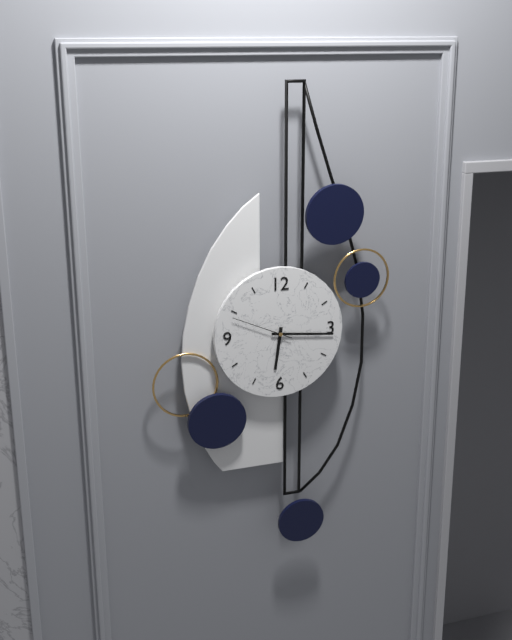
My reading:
**6:16:49**
